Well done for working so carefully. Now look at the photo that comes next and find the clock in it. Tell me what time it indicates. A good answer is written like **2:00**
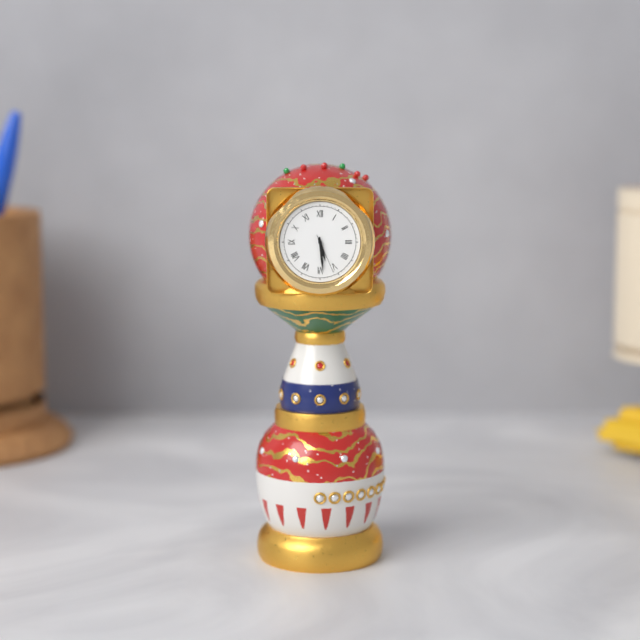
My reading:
**5:29**
